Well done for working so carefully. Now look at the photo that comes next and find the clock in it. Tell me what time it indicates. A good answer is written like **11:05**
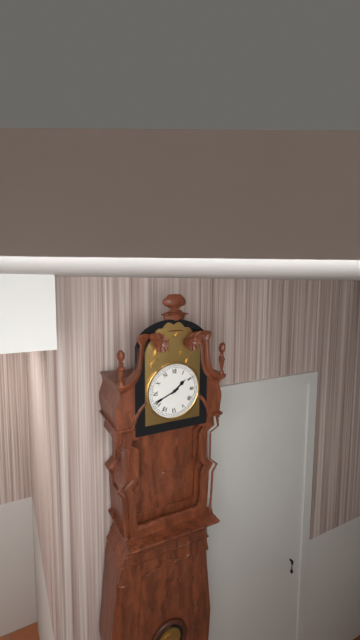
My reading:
**1:41**
